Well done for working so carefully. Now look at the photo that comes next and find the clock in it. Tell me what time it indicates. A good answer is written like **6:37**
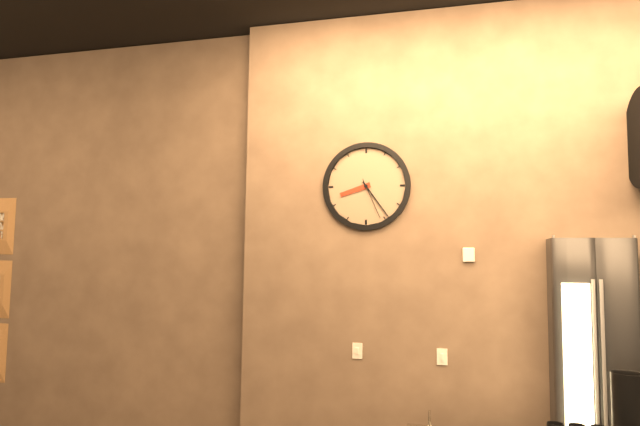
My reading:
**8:24**
